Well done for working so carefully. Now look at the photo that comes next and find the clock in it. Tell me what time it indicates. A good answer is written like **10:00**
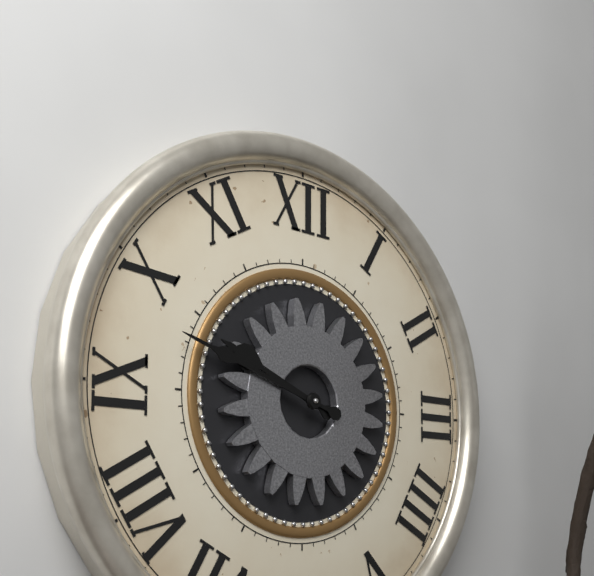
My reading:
**9:48**
